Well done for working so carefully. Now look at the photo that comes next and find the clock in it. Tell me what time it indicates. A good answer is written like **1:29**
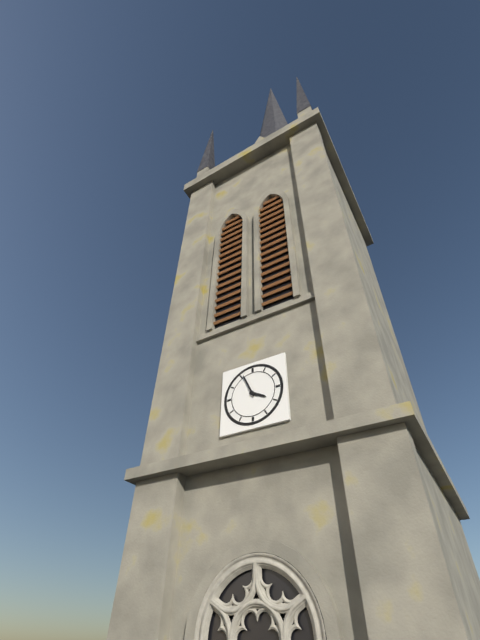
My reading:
**3:56**
